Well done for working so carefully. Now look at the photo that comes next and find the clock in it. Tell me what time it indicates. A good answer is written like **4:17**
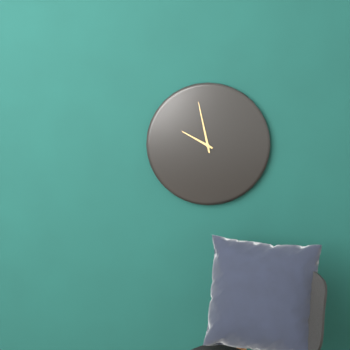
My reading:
**9:58**
